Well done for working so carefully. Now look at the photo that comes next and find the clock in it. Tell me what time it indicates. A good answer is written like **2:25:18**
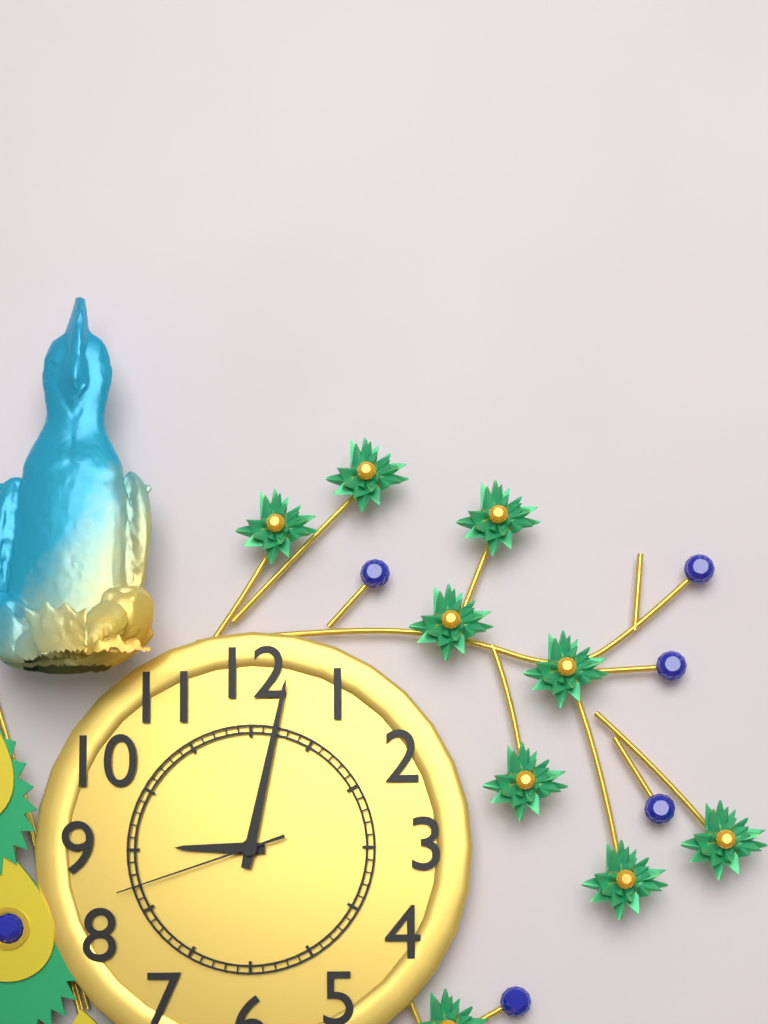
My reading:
**9:02:42**
